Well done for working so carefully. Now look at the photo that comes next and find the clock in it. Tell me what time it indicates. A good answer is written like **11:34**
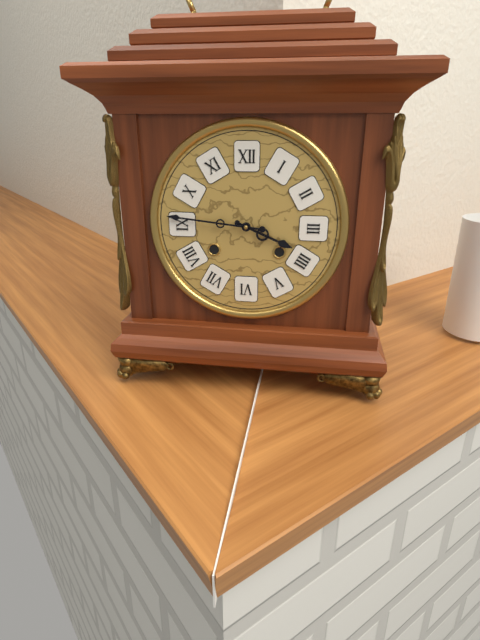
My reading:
**3:46**
